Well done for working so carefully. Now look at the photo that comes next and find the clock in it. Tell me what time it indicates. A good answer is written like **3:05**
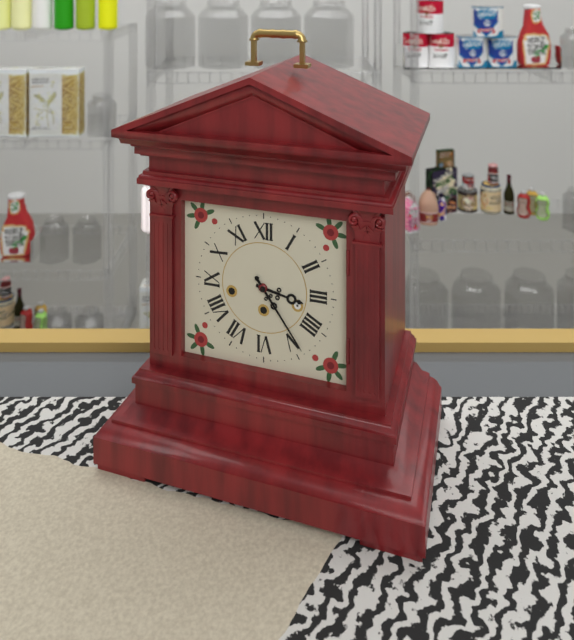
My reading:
**3:24**
